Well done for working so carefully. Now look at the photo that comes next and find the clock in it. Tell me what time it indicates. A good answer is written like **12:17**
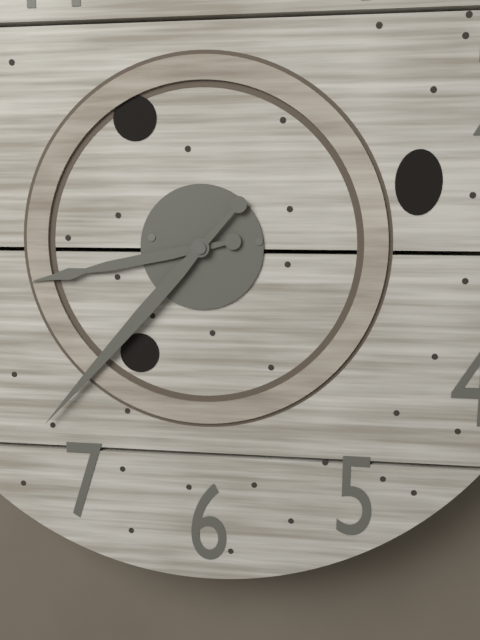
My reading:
**8:37**
